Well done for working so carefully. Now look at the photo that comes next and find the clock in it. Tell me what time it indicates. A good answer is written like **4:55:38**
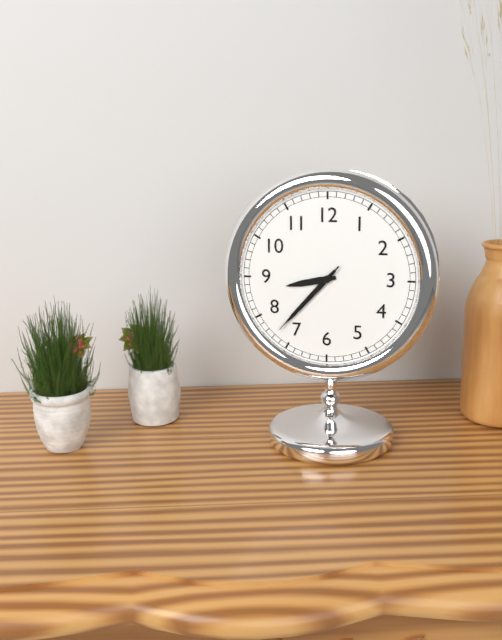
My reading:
**8:37:37**
